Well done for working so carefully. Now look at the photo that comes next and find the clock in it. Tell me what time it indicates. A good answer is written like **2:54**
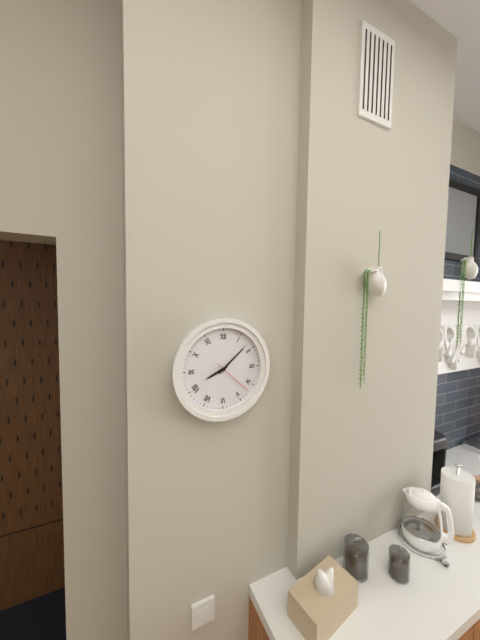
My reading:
**8:08**
